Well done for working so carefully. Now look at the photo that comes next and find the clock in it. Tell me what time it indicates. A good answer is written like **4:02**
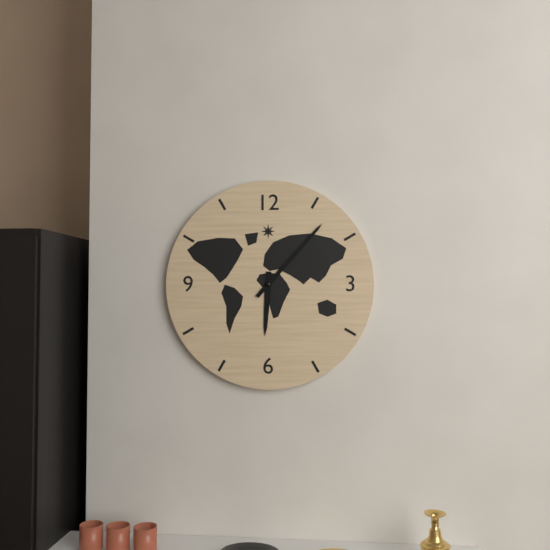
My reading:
**6:07**
